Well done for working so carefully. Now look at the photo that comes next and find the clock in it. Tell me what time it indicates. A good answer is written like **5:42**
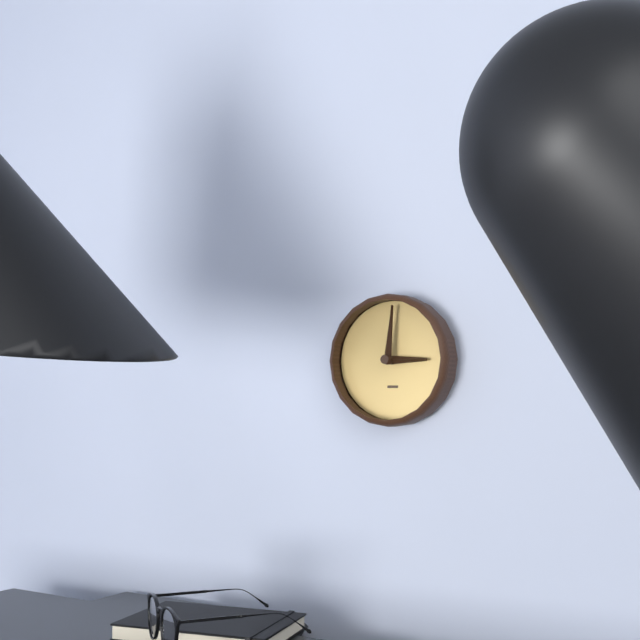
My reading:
**3:01**
